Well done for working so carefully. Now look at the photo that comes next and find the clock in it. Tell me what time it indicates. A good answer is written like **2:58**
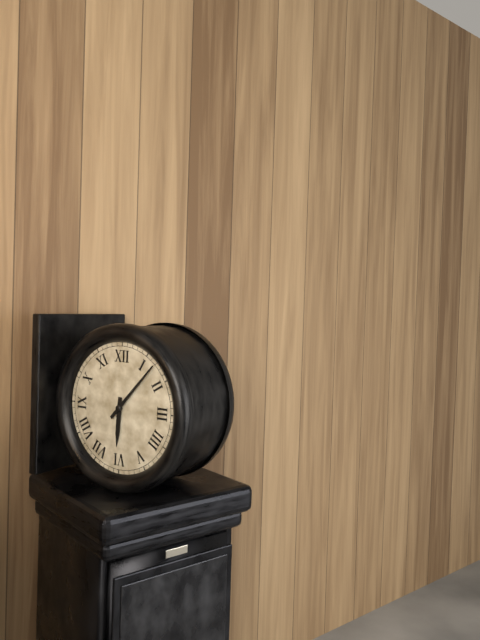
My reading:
**6:07**
